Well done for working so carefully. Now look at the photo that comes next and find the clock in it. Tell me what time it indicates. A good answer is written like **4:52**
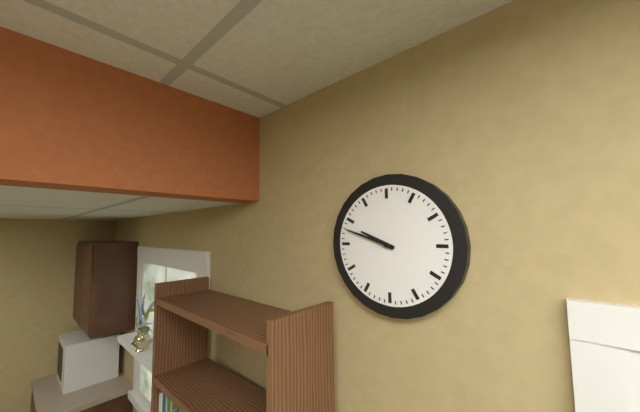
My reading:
**9:48**
